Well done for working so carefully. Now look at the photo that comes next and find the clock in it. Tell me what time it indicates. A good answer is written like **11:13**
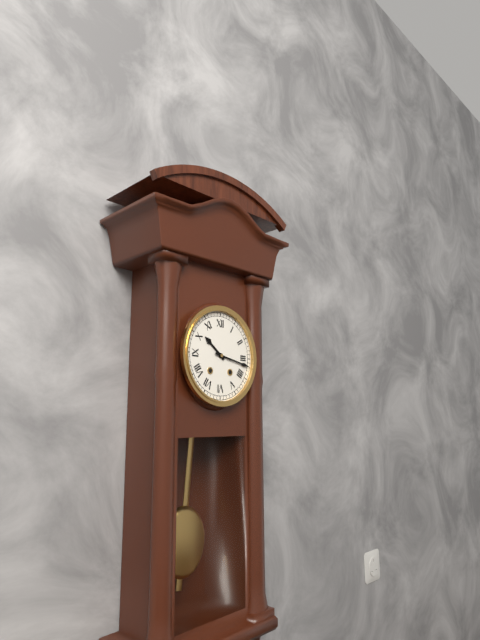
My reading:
**10:17**
